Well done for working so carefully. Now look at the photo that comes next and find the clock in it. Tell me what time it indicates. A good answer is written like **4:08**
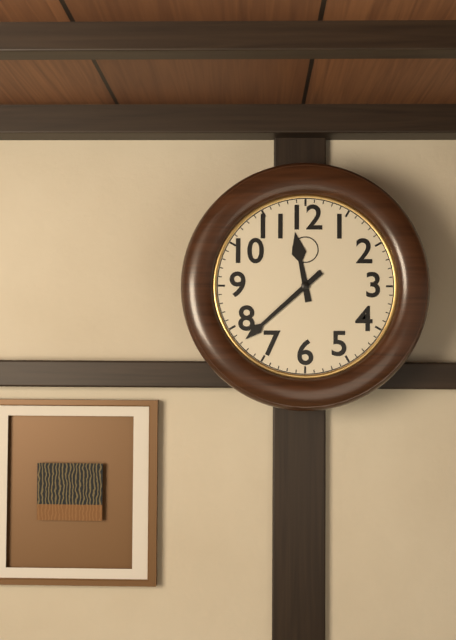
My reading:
**11:38**
